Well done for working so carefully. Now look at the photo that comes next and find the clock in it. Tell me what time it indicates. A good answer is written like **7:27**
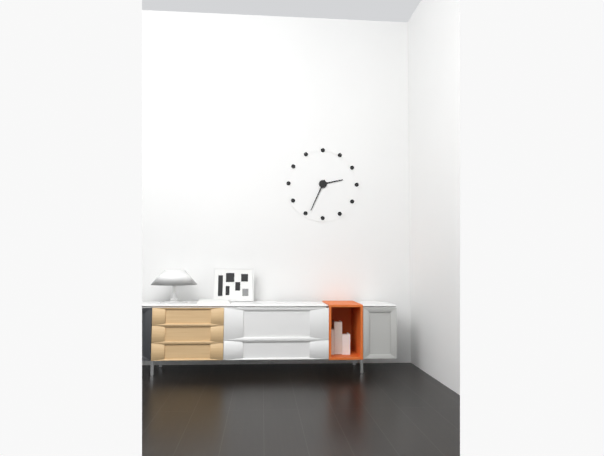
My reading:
**2:34**
